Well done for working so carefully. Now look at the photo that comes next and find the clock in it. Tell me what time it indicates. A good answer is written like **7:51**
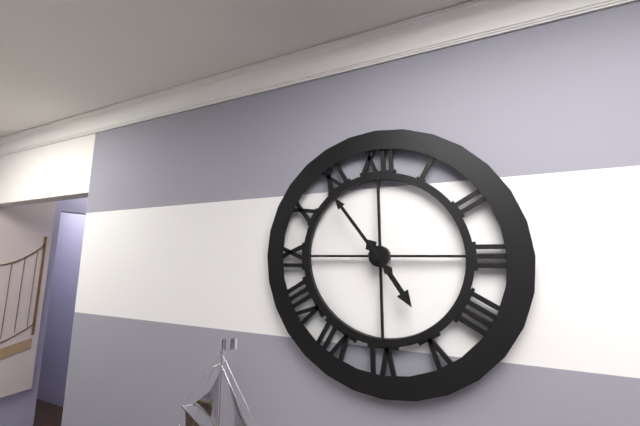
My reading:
**4:54**
